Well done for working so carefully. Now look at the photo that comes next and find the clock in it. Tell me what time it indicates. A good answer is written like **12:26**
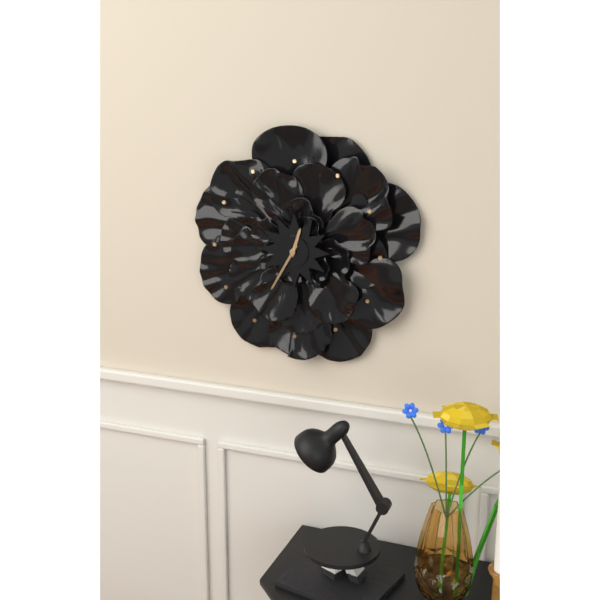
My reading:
**12:35**
